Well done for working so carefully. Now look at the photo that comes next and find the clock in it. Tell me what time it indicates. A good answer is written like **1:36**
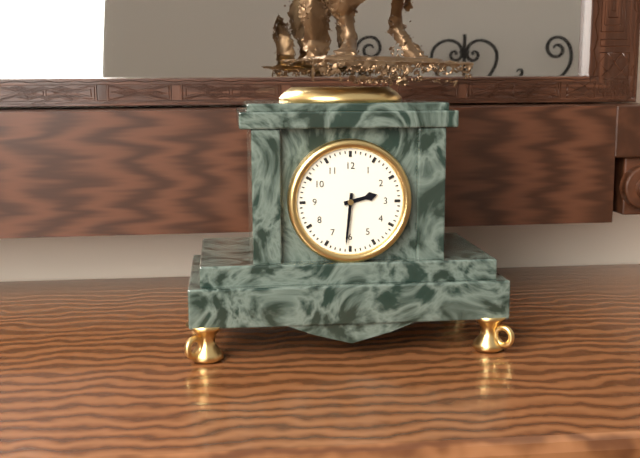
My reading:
**2:31**
